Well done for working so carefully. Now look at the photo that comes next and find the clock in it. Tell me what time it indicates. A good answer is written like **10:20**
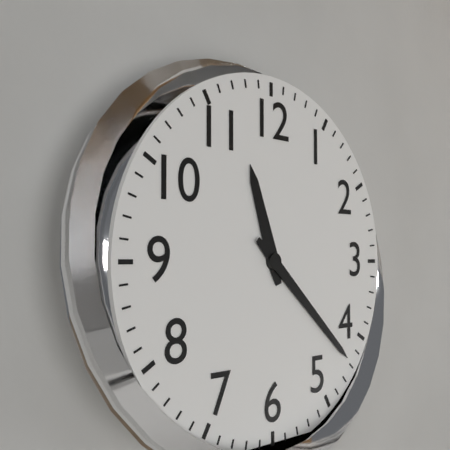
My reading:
**11:22**
